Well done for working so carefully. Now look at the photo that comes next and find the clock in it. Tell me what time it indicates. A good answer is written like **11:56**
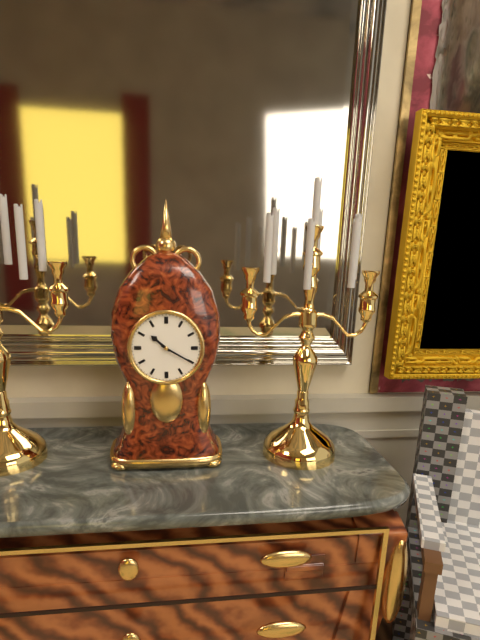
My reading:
**10:20**
